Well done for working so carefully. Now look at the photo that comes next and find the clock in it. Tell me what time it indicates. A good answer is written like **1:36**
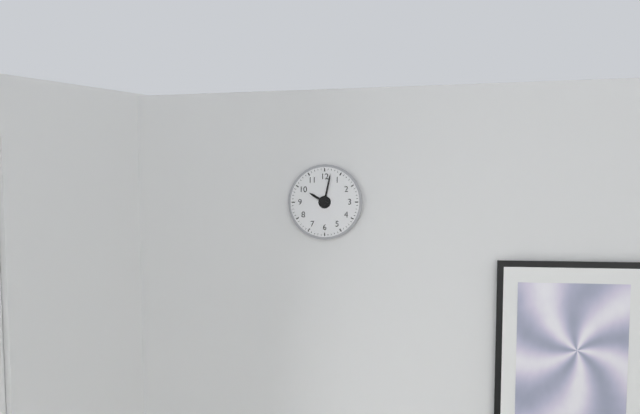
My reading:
**10:02**
